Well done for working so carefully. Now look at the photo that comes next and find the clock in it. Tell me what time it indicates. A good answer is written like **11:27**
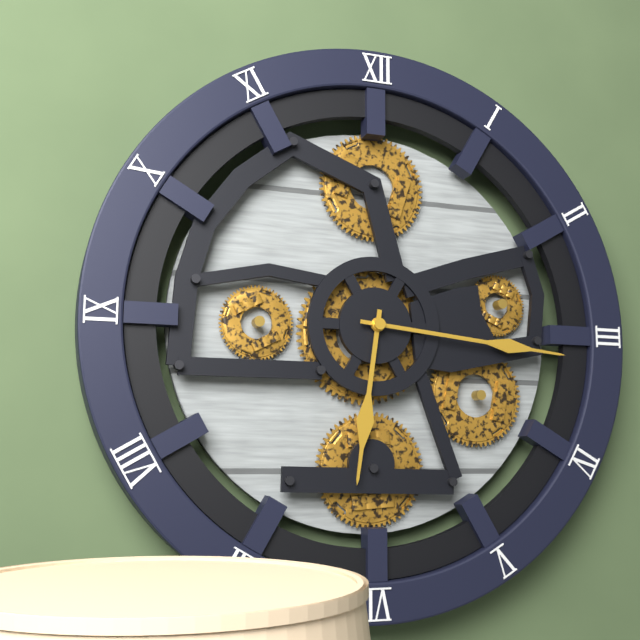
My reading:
**6:16**
